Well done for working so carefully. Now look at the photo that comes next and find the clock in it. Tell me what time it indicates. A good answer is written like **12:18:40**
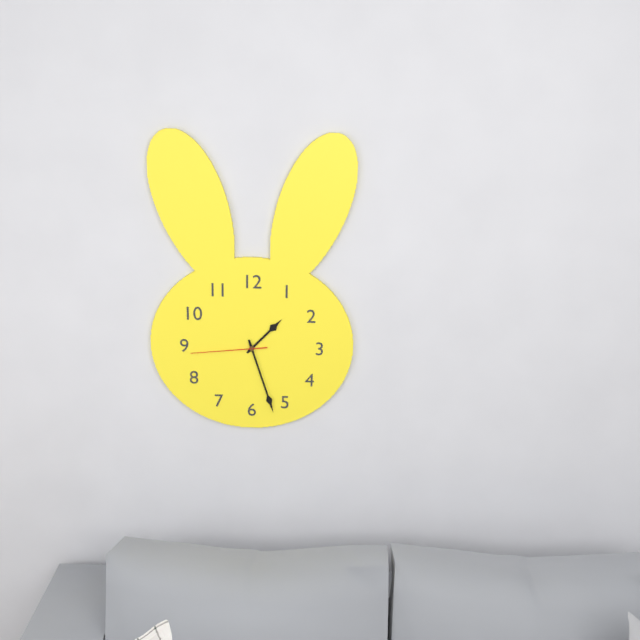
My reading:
**1:27:44**
